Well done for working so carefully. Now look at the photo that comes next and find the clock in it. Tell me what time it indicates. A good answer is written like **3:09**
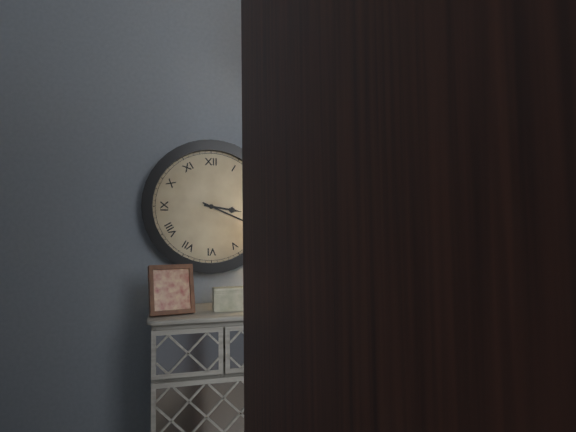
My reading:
**3:19**
